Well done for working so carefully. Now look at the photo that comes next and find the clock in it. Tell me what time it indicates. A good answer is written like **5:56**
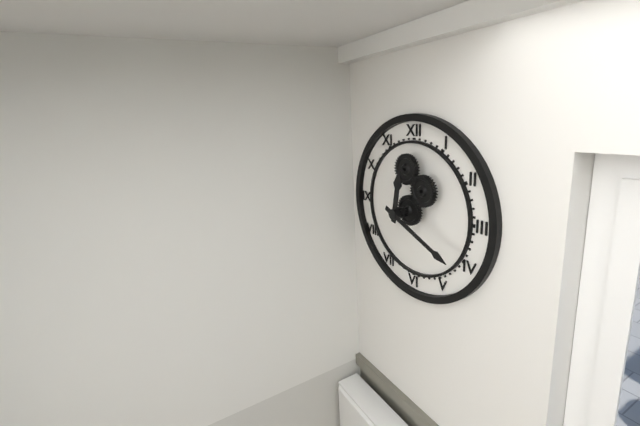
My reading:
**12:19**
